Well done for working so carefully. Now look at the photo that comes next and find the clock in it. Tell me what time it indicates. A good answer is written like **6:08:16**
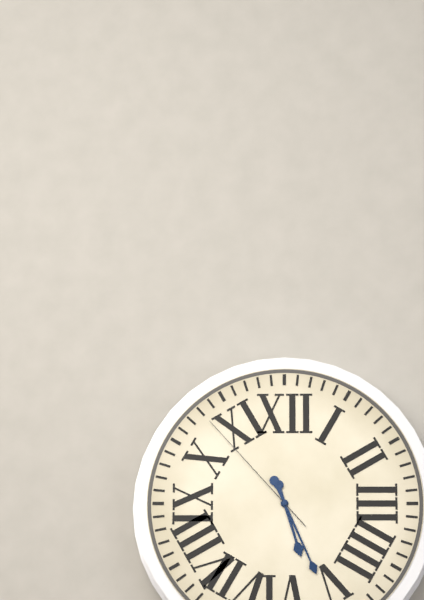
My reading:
**5:26:53**
